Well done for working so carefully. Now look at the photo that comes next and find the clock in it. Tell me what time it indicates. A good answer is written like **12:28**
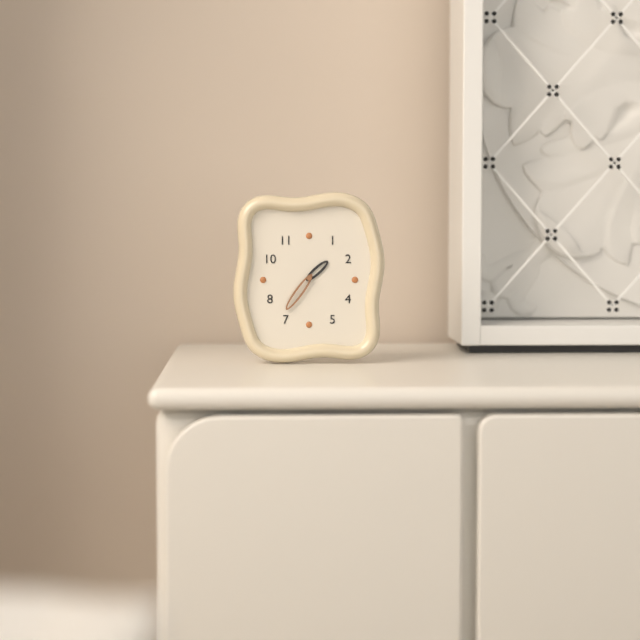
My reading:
**1:36**
